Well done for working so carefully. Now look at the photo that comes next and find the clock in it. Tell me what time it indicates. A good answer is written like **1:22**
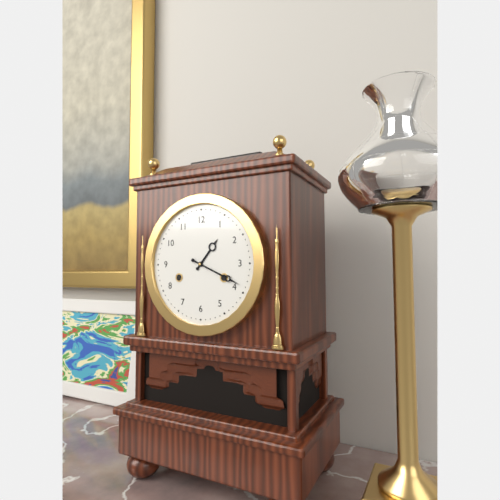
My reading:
**1:19**
